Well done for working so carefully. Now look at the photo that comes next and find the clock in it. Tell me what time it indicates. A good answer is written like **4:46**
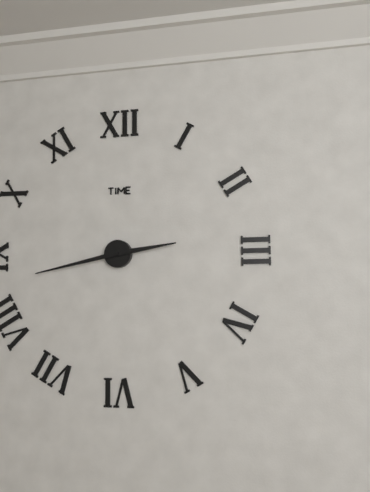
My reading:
**2:43**
